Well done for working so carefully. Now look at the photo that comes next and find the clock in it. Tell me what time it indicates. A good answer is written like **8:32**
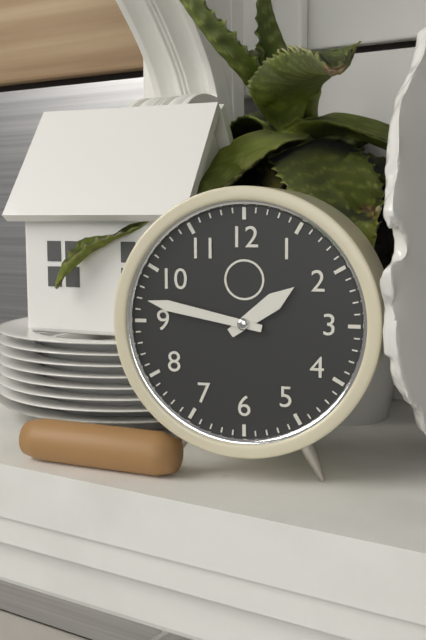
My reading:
**1:47**
